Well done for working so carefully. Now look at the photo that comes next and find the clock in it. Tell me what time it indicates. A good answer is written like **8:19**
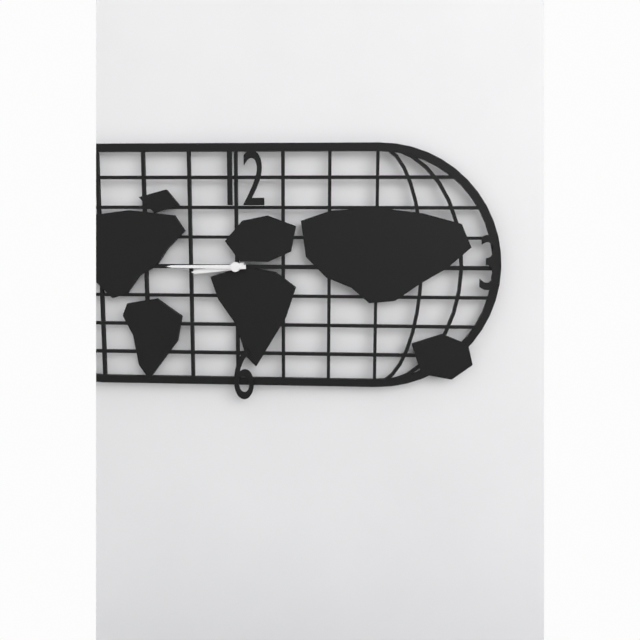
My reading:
**8:45**
